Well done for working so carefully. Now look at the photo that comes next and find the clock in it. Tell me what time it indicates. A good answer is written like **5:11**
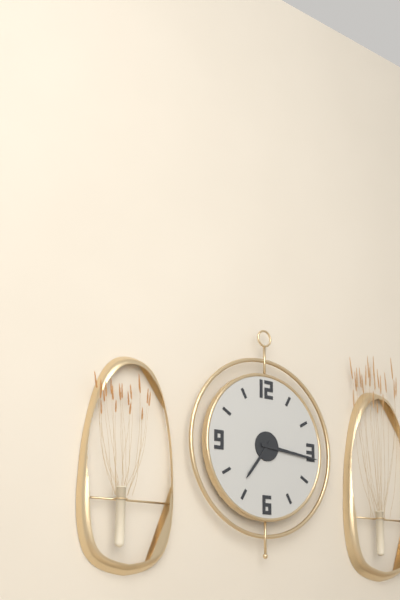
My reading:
**7:16**
